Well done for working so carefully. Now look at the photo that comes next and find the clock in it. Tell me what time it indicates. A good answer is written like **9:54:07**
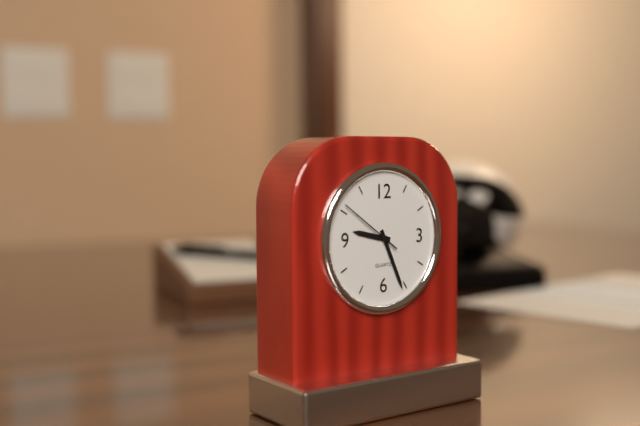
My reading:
**9:26:51**
